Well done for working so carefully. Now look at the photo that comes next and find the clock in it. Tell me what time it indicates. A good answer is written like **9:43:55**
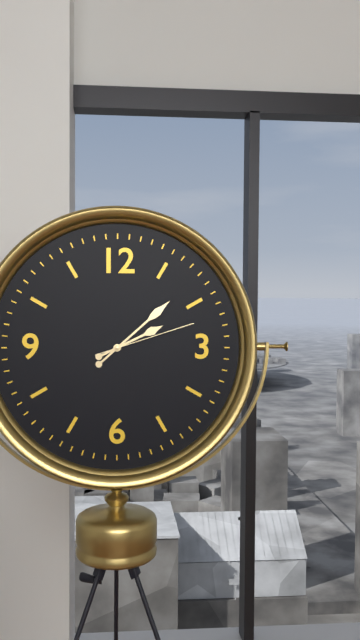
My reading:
**2:08:12**
